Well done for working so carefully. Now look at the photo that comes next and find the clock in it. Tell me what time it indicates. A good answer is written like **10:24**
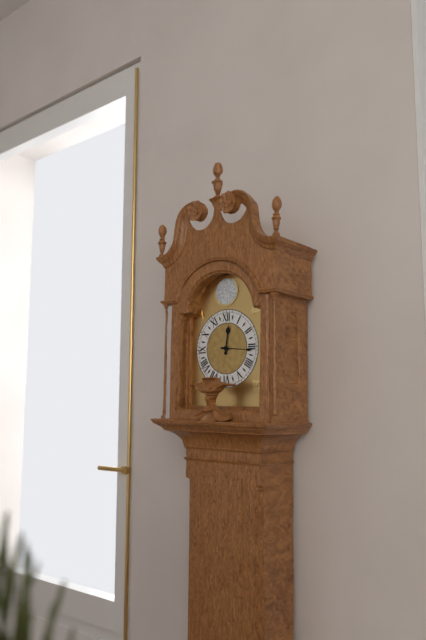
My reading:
**12:16**
